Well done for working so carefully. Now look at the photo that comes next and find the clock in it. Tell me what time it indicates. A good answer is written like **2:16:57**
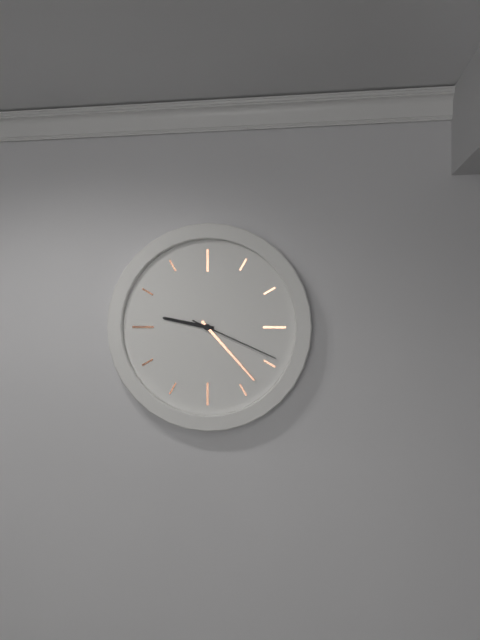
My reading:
**9:23:19**
